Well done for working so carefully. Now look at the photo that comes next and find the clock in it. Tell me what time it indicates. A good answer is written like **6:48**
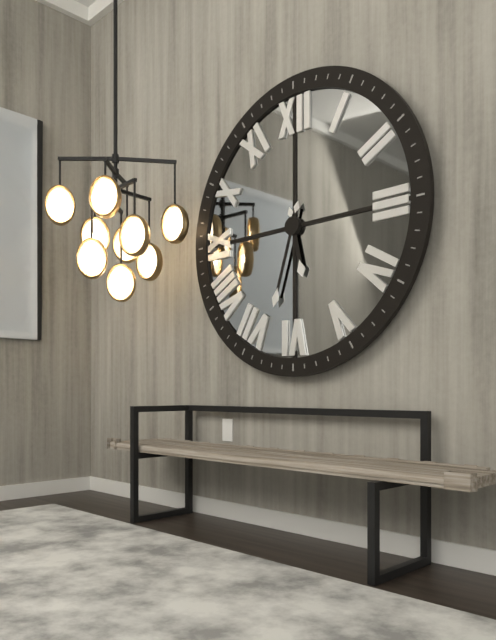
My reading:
**5:33**
